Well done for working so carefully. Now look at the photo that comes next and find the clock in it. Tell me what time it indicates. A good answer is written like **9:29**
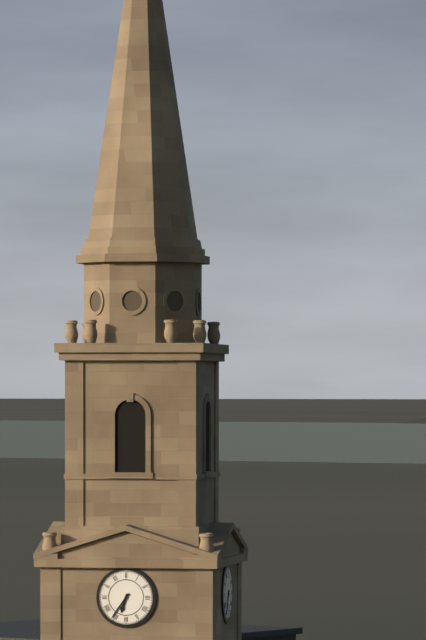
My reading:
**6:36**
